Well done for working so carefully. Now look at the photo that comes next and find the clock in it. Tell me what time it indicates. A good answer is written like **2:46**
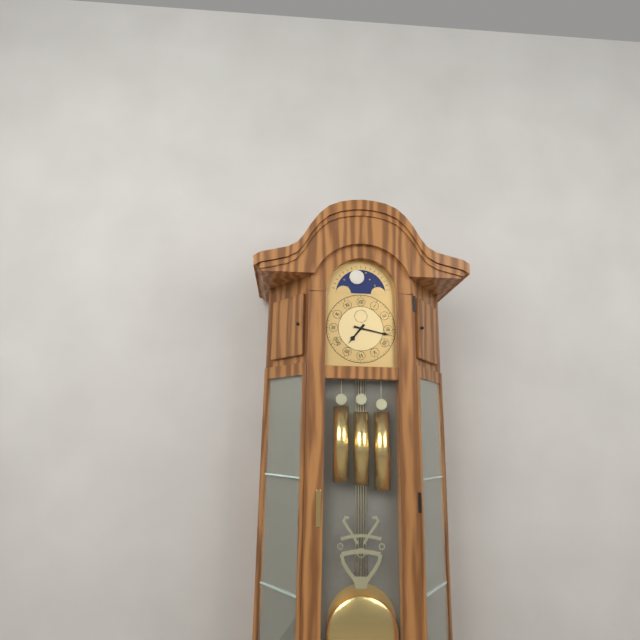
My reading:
**7:17**
